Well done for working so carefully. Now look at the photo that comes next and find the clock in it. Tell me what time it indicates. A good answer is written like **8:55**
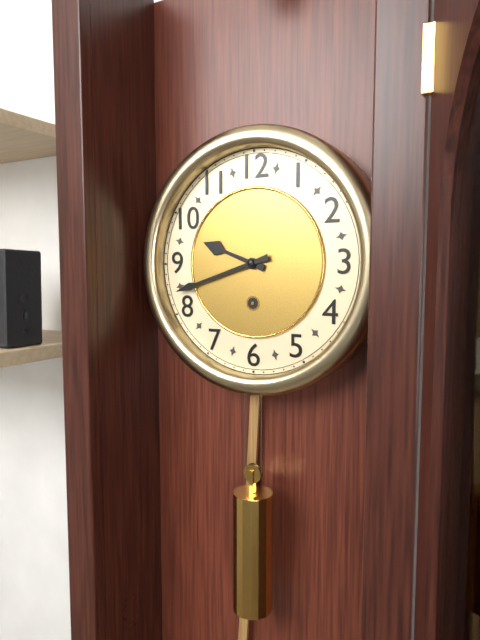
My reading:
**9:42**
